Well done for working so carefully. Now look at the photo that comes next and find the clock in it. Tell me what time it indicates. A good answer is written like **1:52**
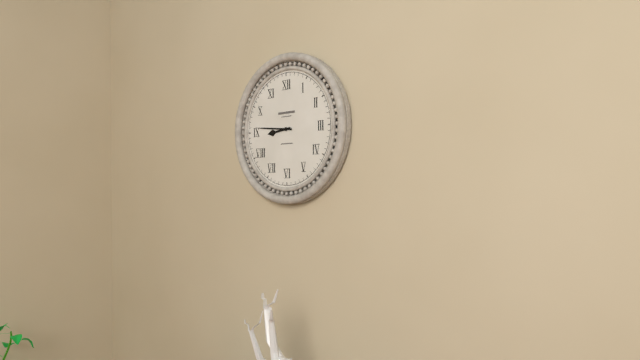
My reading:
**8:46**
